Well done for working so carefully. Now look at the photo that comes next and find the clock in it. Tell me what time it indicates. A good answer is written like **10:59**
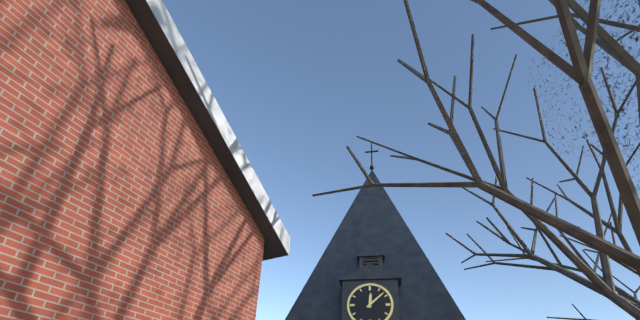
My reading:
**12:08**
